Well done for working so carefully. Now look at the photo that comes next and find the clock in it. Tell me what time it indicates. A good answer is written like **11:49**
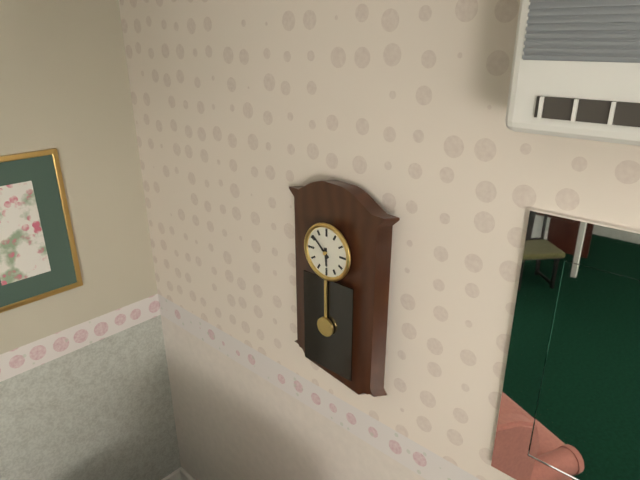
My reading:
**5:52**
